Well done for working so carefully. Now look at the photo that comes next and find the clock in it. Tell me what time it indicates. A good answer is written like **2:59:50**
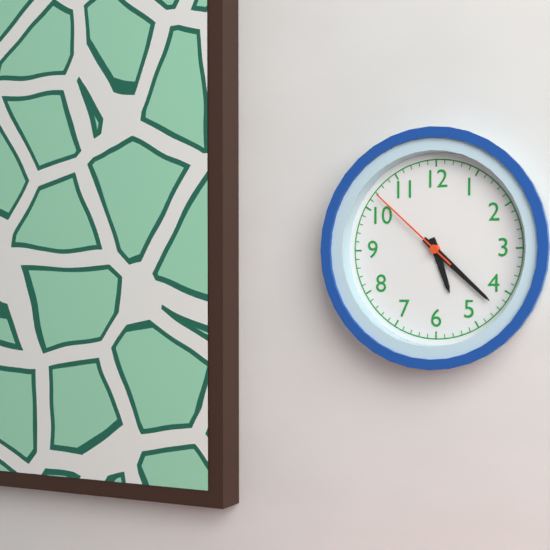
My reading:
**5:22:52**
